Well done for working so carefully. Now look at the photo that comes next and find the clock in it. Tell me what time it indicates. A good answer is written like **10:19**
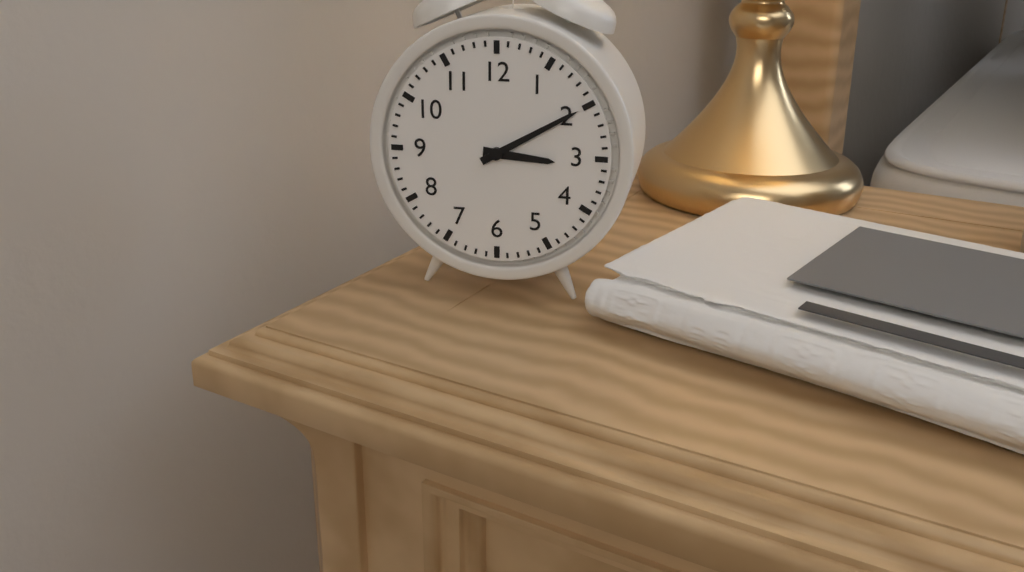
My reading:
**3:10**
